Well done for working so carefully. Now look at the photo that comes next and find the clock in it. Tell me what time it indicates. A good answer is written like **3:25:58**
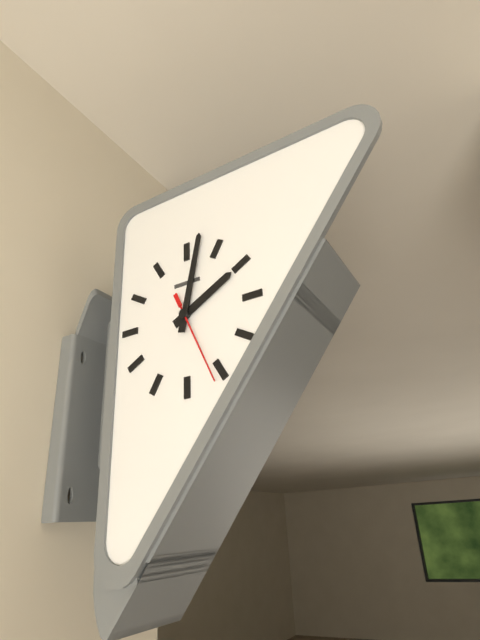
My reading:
**2:02:26**
